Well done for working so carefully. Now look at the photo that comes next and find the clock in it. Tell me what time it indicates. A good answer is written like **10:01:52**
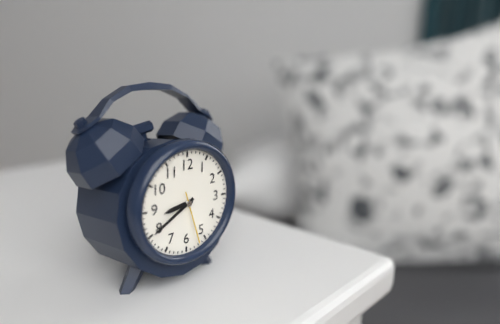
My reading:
**8:40:27**
